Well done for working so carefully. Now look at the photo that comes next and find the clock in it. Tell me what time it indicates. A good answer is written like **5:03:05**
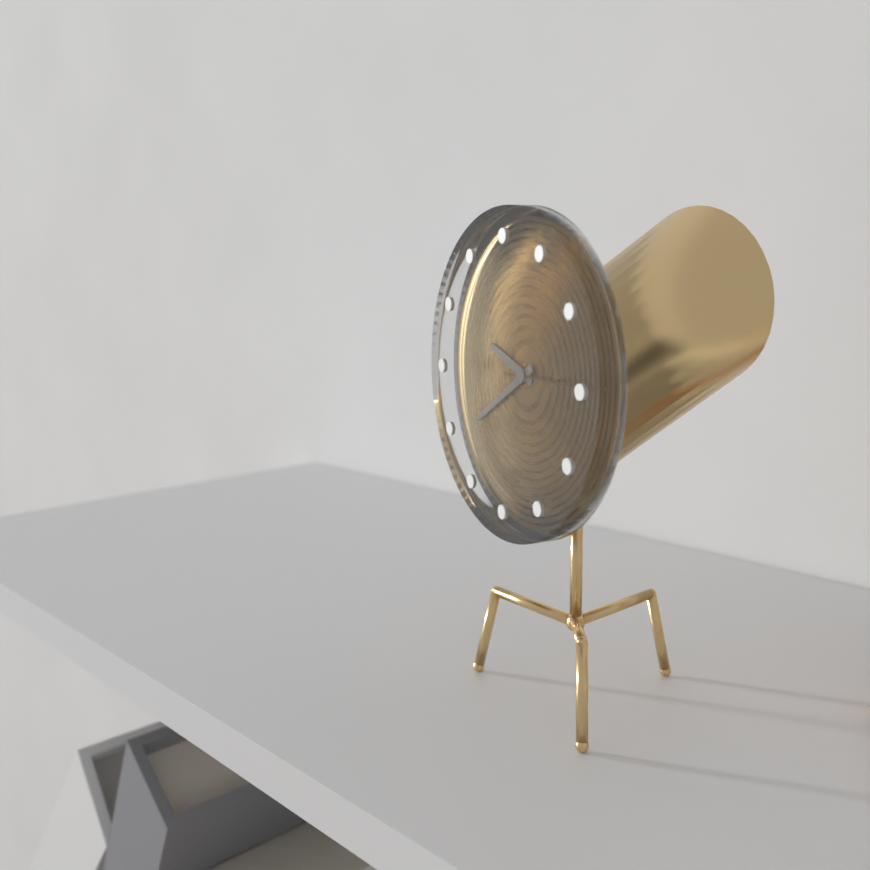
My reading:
**9:40:15**
